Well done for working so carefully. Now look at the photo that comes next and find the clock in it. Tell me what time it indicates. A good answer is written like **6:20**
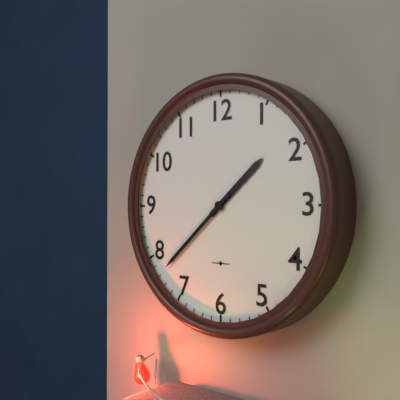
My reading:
**1:38**
